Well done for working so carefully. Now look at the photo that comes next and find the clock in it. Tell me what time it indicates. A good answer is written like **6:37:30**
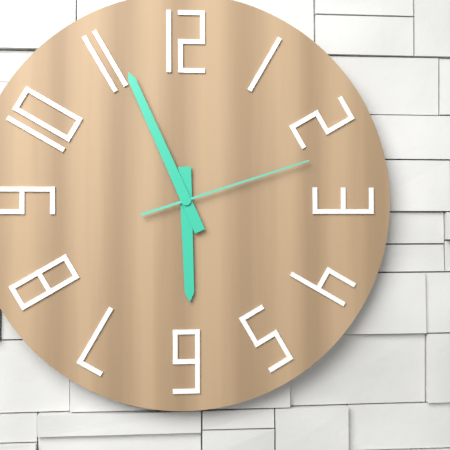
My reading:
**5:56:12**
